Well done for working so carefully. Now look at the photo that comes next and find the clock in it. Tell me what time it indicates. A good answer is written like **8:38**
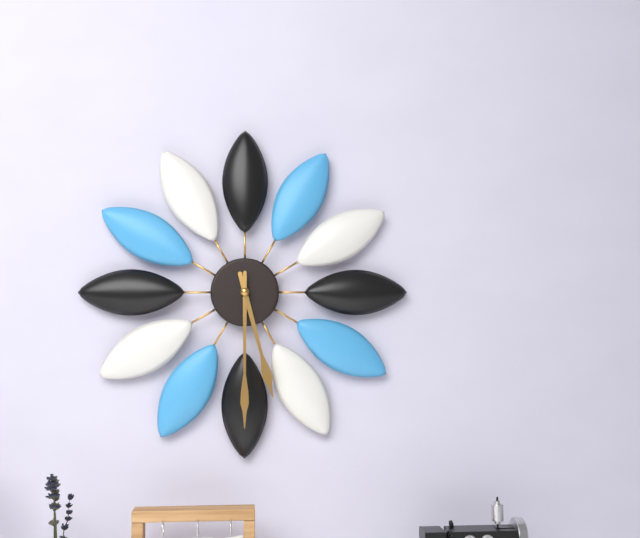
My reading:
**5:30**
